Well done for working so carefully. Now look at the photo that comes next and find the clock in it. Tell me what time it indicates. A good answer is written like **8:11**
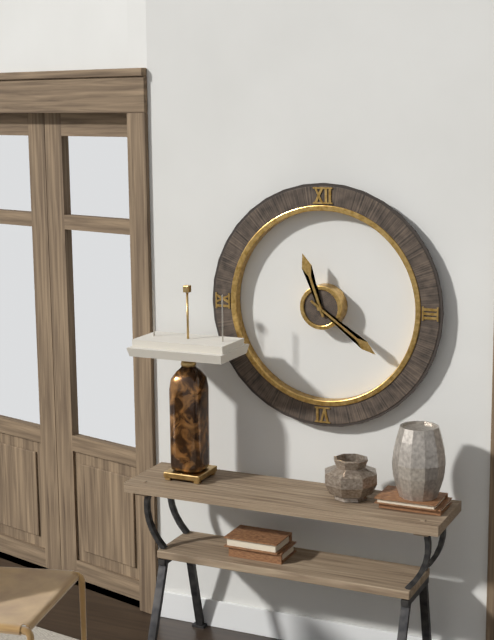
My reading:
**11:21**
